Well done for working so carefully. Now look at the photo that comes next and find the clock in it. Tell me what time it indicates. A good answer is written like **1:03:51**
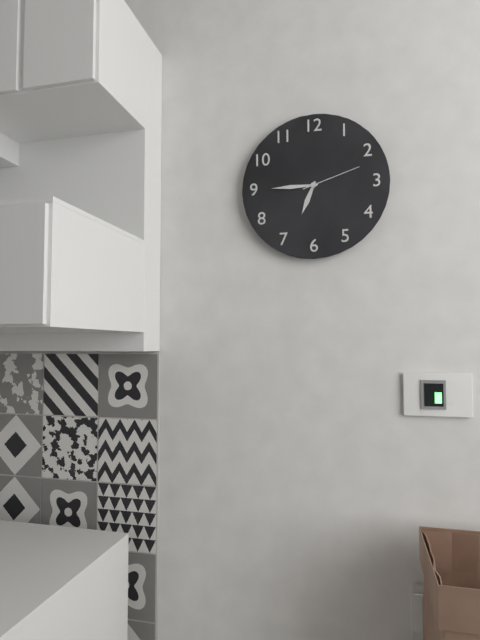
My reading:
**6:45:12**
